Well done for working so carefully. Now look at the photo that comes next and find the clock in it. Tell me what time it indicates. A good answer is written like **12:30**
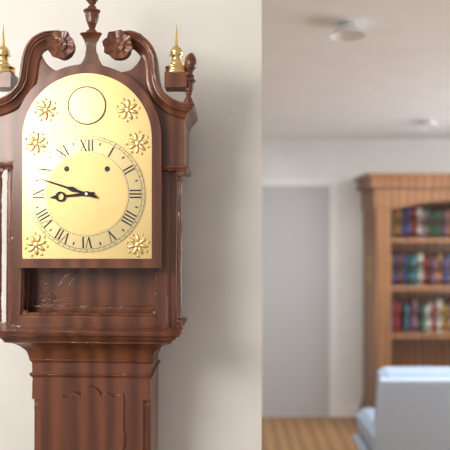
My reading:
**8:48**
